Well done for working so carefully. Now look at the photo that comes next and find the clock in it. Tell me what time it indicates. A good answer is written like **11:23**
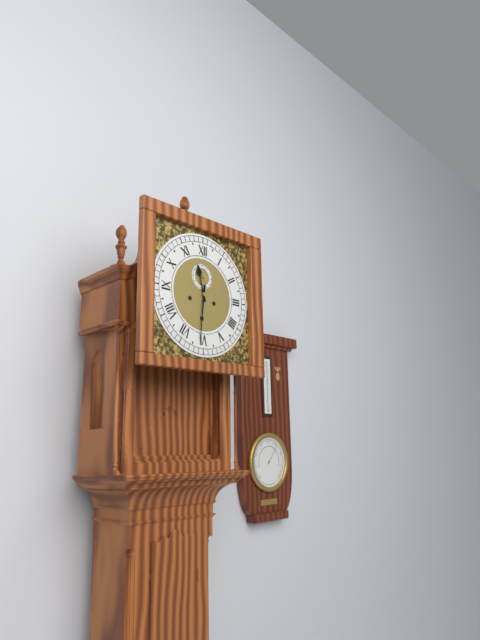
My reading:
**11:31**
